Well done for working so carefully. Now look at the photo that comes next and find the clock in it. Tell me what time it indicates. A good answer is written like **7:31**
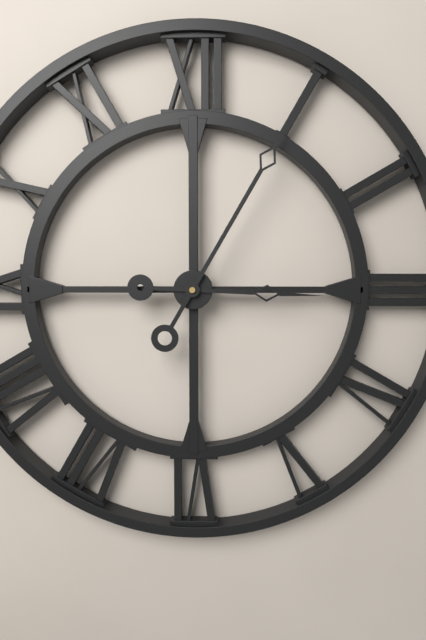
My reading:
**3:05**
